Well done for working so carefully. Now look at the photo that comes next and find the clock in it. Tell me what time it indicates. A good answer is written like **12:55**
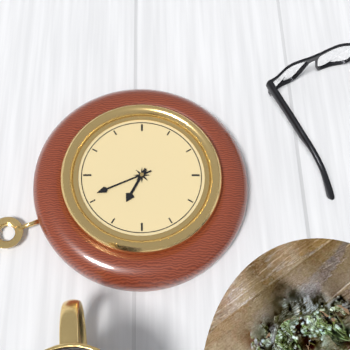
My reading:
**9:56**
